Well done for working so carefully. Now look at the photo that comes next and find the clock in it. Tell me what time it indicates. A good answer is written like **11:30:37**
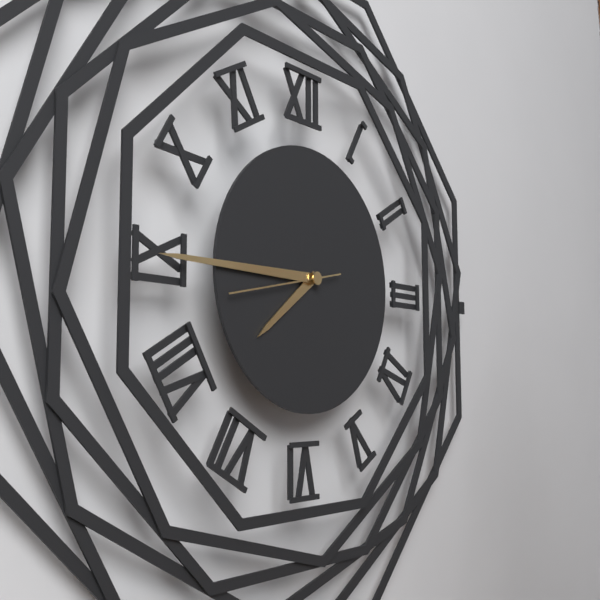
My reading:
**7:45:43**
